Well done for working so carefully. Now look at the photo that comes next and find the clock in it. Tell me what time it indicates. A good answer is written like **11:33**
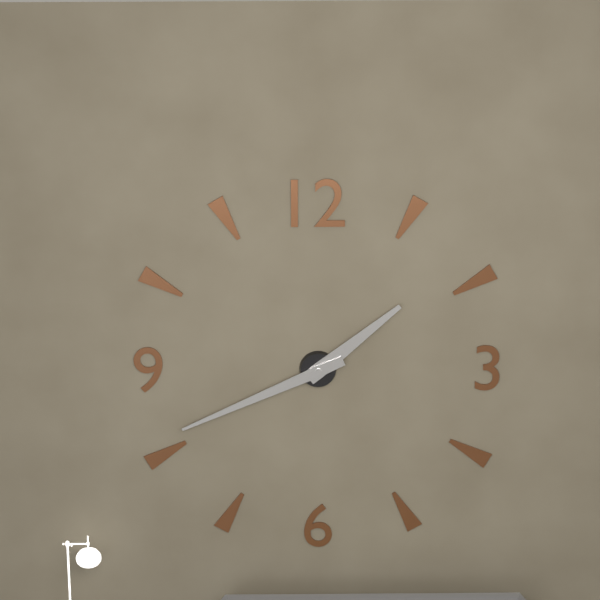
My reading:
**1:41**
